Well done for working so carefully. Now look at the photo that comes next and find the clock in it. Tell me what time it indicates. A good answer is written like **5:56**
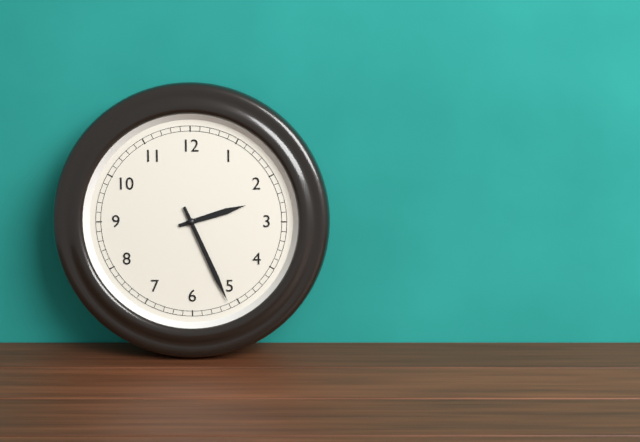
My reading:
**2:26**
